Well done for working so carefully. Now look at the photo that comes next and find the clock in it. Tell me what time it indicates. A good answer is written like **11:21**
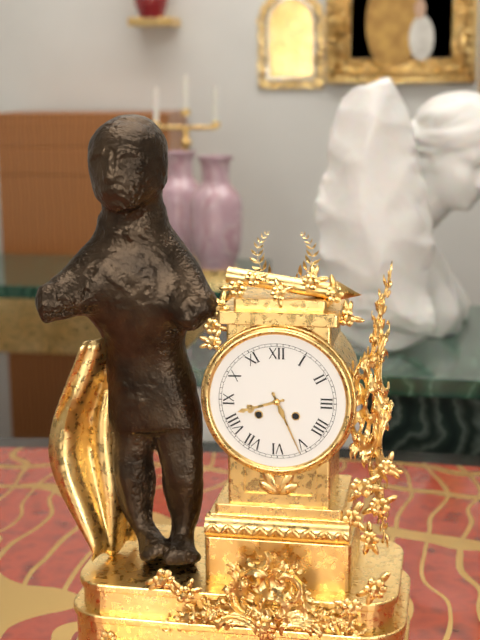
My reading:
**8:26**
